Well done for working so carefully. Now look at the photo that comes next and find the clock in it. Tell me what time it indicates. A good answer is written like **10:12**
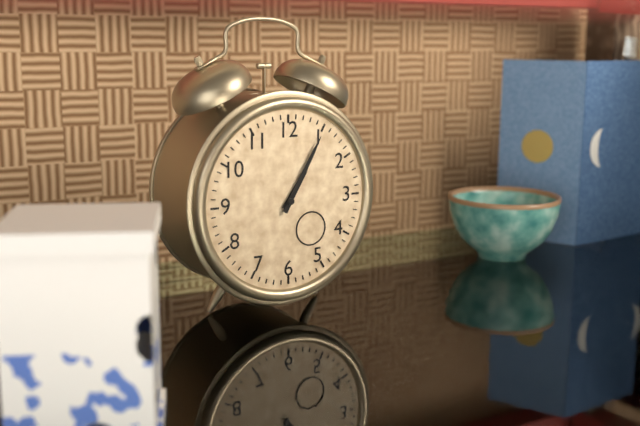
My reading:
**1:05**
